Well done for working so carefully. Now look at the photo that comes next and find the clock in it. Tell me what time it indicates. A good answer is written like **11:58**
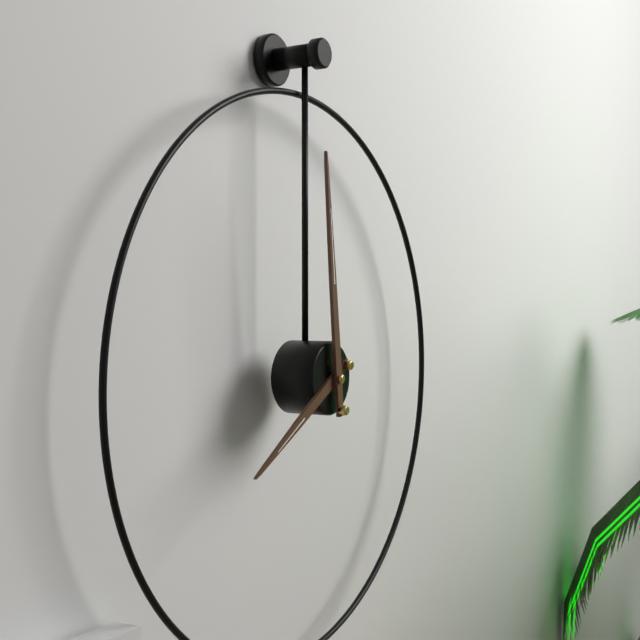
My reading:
**7:59**
